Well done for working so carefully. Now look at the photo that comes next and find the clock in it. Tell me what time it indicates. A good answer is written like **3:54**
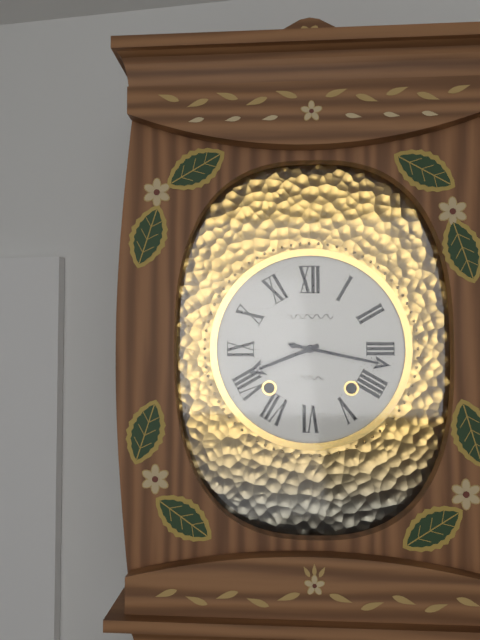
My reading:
**8:17**
